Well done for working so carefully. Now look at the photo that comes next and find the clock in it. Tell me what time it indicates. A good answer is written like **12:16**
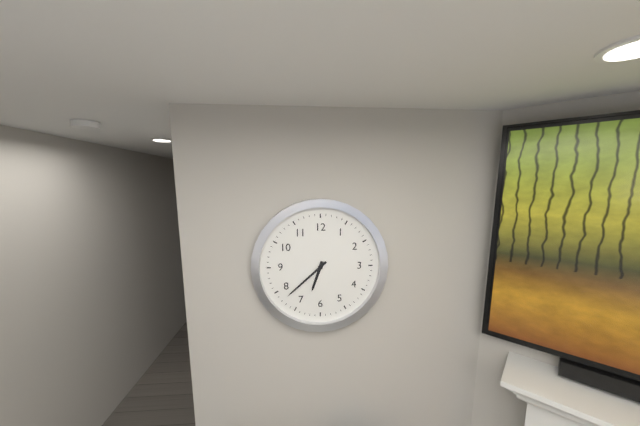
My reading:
**6:38**
